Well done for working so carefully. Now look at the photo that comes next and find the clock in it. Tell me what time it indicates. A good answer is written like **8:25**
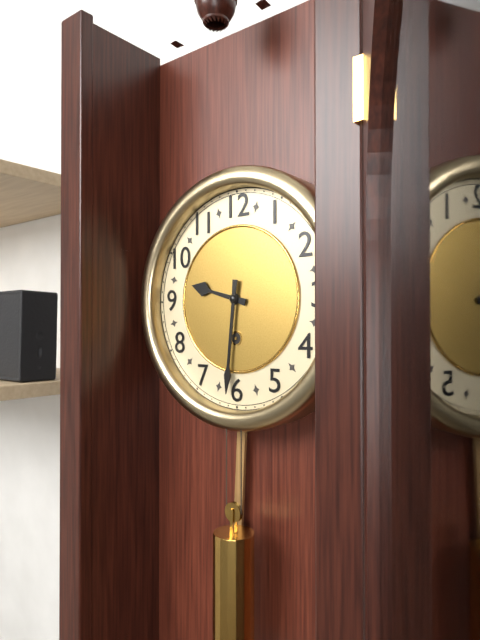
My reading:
**9:31**
